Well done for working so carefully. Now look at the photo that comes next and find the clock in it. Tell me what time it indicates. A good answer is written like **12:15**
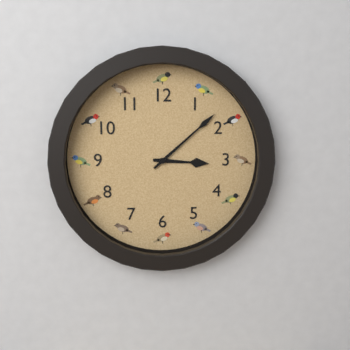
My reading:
**3:08**
